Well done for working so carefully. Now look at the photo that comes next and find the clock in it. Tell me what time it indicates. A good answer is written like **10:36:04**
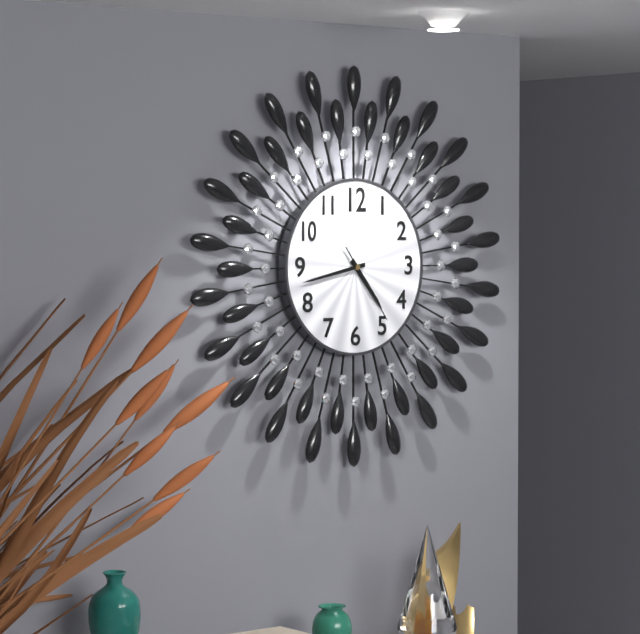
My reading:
**4:43:24**
